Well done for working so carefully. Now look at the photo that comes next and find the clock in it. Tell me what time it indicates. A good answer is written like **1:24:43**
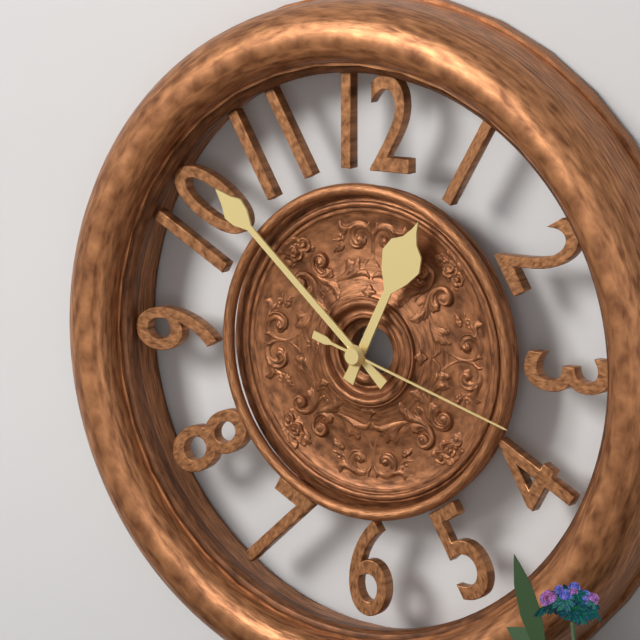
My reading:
**12:52:18**
